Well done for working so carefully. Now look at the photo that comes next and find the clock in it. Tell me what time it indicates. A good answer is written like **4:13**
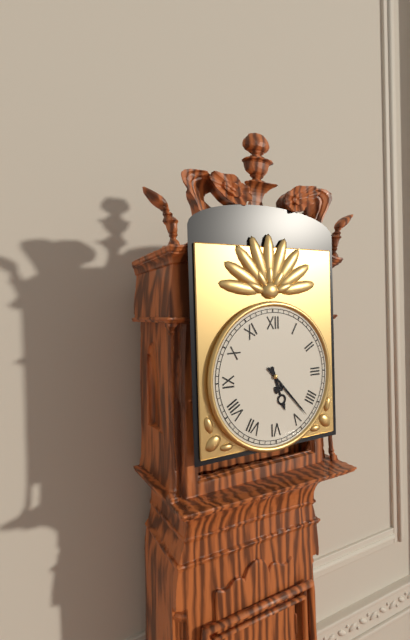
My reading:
**5:23**
